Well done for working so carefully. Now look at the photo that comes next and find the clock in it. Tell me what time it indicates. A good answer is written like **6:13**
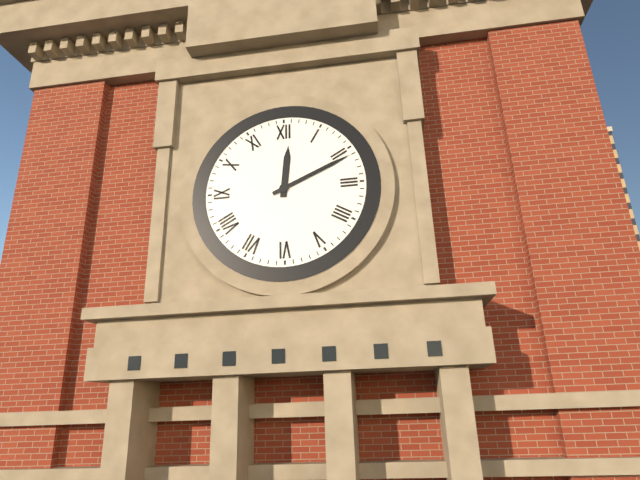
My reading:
**12:11**
